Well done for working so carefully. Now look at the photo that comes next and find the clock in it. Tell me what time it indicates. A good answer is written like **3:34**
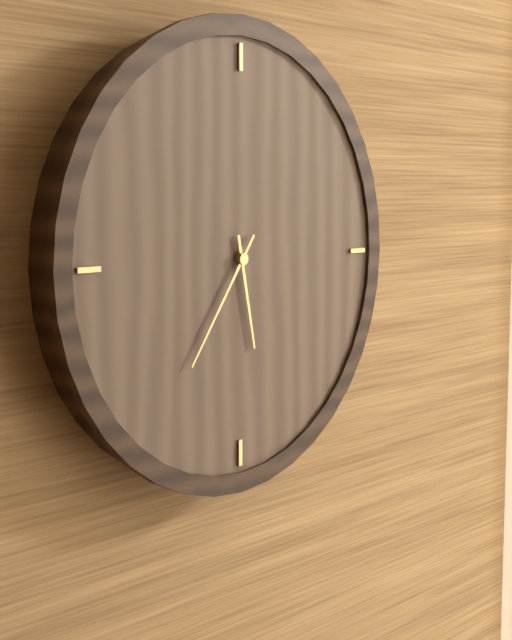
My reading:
**5:36**
